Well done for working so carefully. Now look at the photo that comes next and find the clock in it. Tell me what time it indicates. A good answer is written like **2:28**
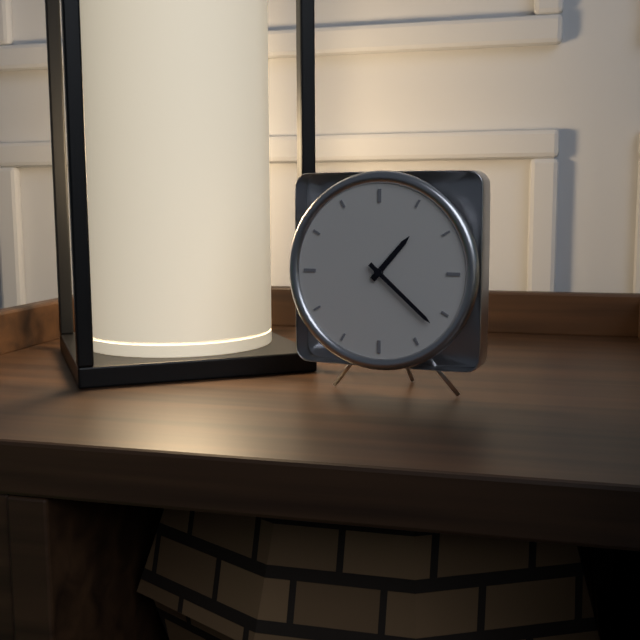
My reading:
**1:22**
